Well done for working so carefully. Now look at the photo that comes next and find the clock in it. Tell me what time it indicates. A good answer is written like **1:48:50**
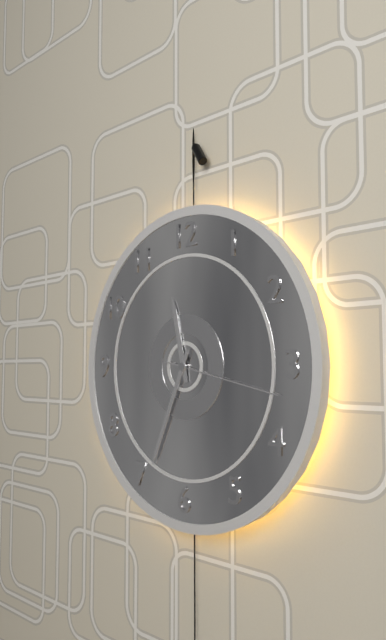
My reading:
**11:34:17**
